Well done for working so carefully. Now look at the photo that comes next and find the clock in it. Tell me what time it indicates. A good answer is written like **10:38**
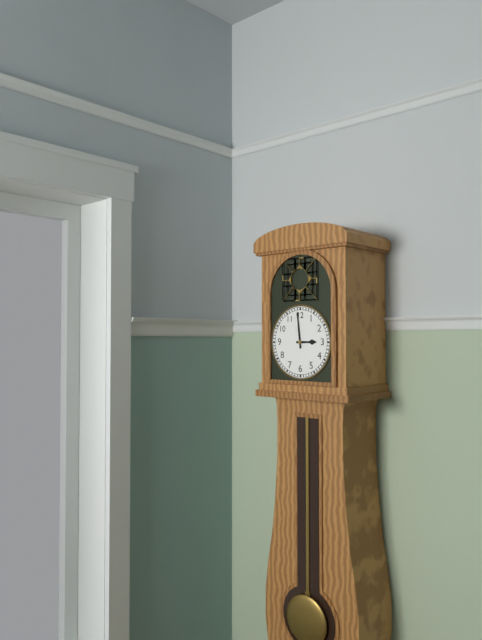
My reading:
**2:59**
